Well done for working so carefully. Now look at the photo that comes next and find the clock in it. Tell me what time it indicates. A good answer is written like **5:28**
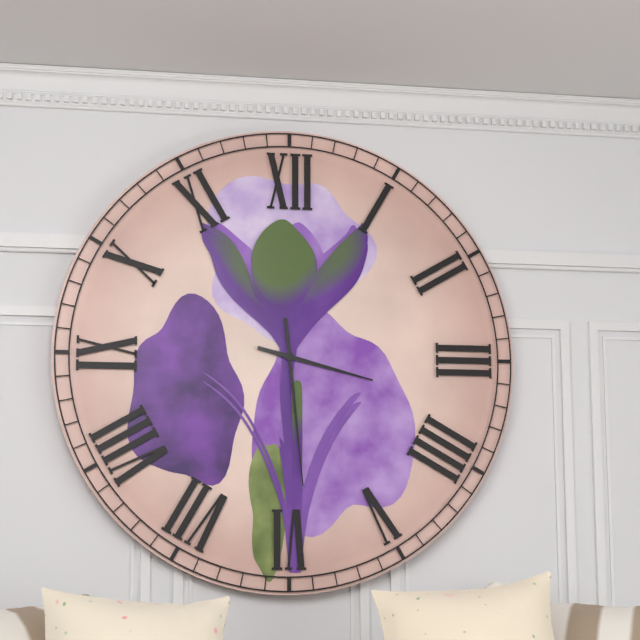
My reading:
**3:29**
